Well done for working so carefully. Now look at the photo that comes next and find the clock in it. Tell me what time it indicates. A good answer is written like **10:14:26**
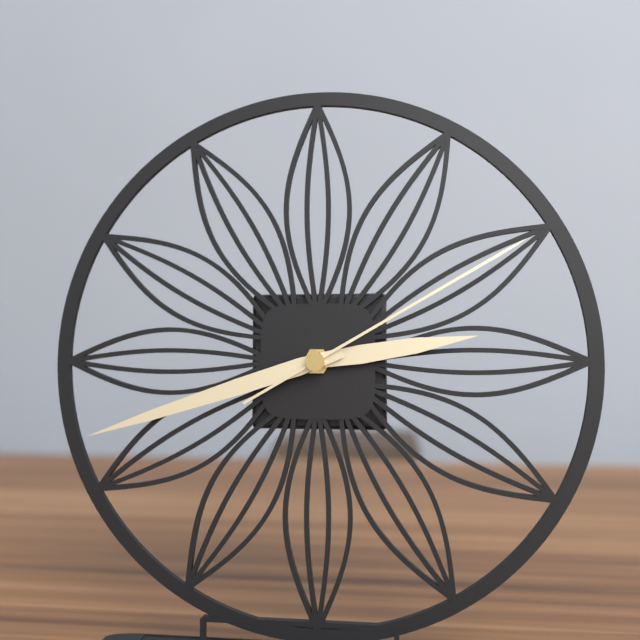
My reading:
**2:42:10**
